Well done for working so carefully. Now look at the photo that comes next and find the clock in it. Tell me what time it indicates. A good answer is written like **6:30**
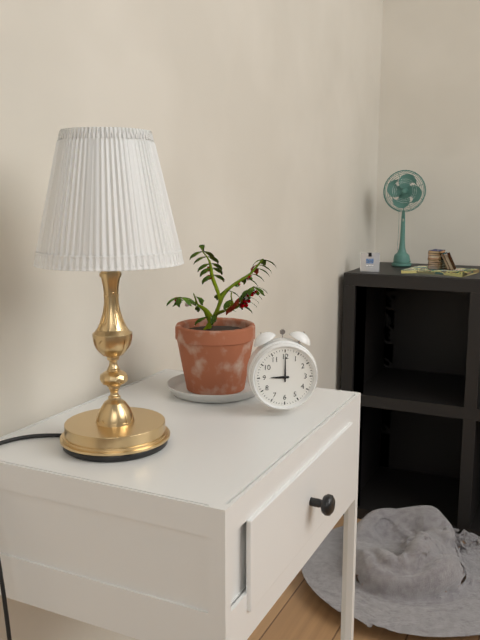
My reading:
**9:00**
